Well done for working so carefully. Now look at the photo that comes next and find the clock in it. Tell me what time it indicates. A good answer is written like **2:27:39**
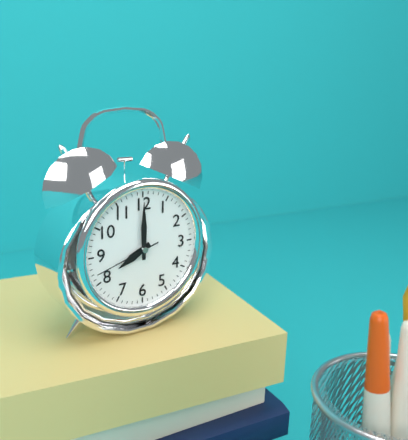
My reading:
**8:00:42**
